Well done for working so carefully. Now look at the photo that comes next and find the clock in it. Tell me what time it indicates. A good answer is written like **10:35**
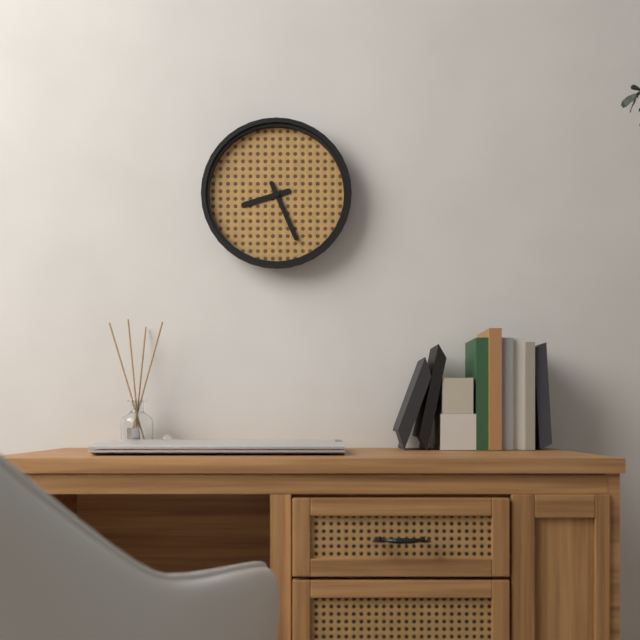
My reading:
**8:26**
